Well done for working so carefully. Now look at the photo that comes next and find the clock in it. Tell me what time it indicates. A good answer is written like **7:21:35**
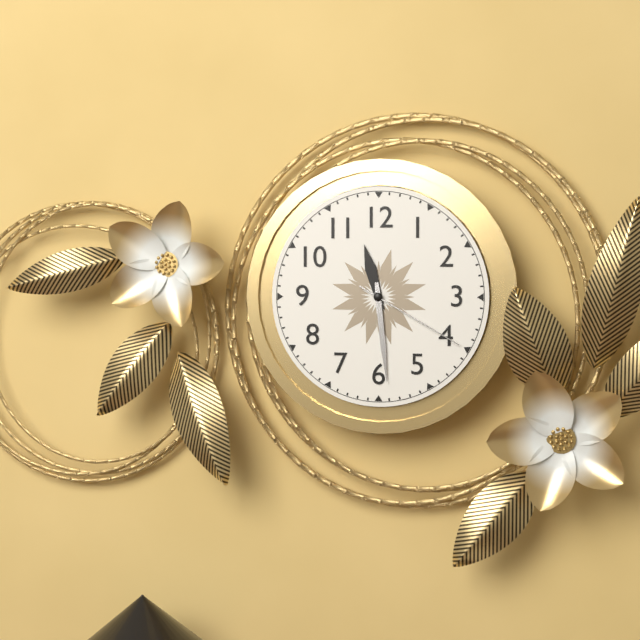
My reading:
**11:29:20**
